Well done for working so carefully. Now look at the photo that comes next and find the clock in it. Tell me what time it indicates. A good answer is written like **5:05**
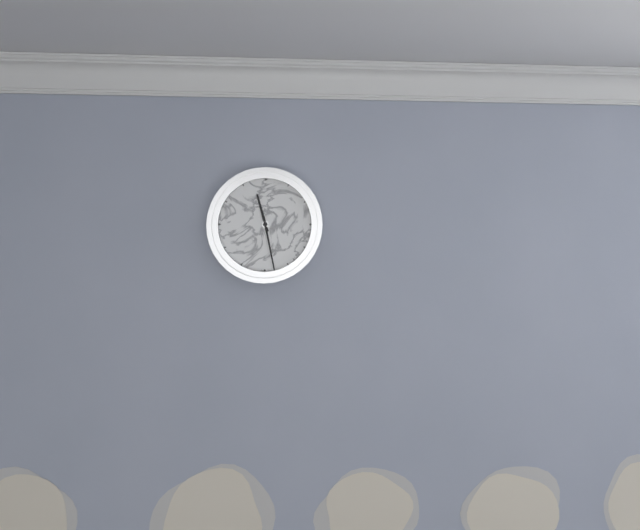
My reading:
**11:28**
